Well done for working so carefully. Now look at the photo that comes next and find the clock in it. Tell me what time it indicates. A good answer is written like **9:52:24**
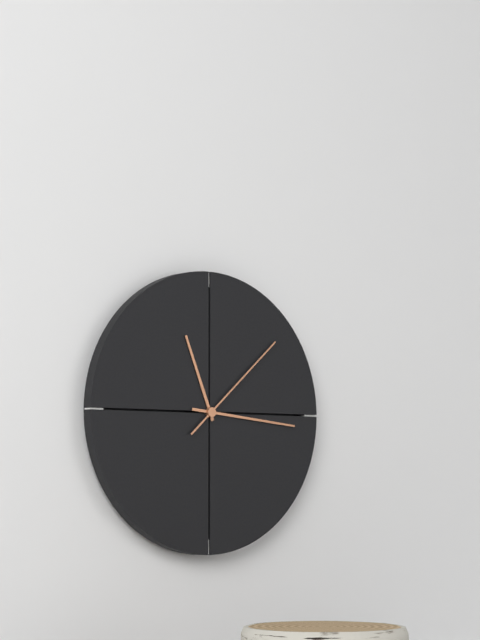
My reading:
**11:16:08**
